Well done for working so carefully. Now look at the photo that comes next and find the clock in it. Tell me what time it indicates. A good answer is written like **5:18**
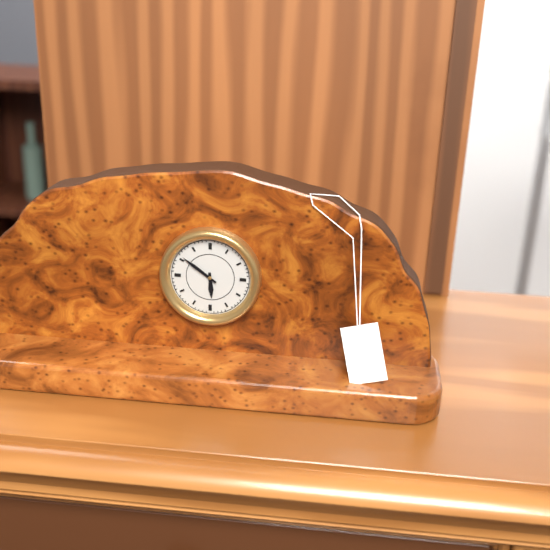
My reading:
**5:51**
